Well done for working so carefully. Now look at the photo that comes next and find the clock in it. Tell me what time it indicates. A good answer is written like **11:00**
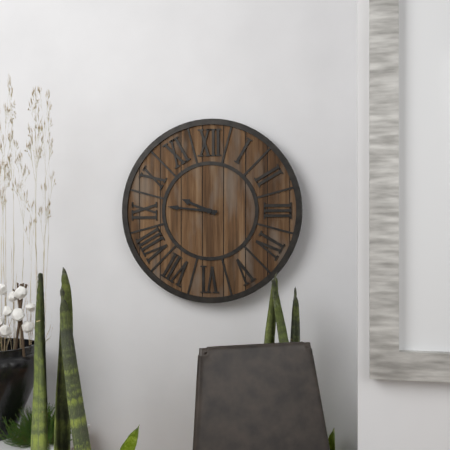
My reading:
**9:46**
